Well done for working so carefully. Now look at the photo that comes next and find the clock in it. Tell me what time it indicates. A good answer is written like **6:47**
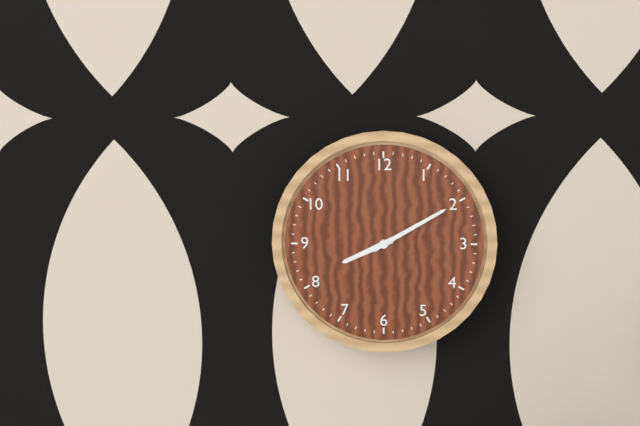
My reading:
**8:10**
